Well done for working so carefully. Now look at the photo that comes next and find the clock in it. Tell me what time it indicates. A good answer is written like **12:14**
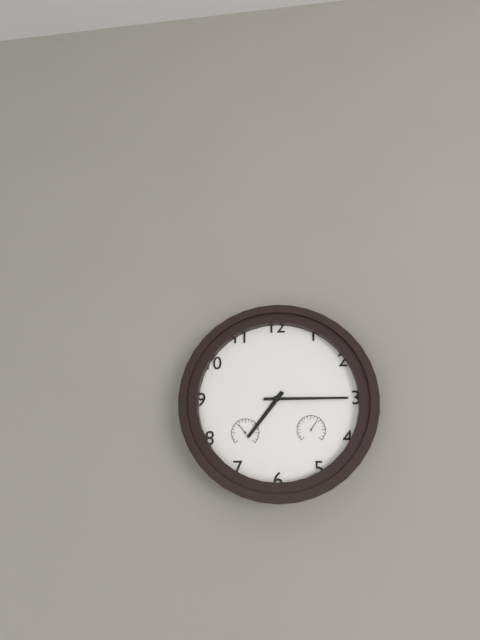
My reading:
**7:15**
